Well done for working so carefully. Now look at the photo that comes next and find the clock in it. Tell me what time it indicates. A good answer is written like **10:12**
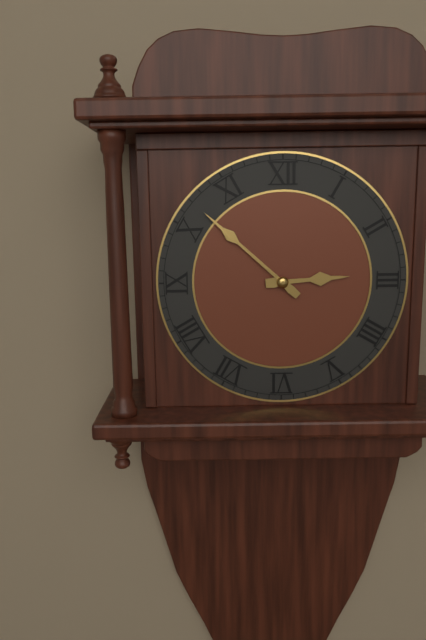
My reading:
**2:52**
